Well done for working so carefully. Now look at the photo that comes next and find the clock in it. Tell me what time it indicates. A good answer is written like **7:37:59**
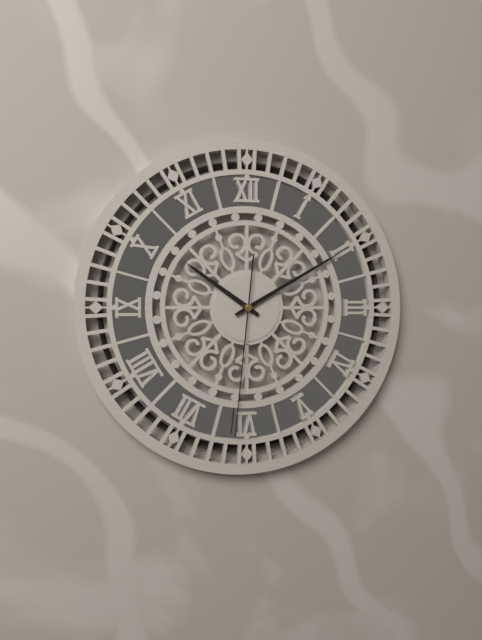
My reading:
**10:10:31**
